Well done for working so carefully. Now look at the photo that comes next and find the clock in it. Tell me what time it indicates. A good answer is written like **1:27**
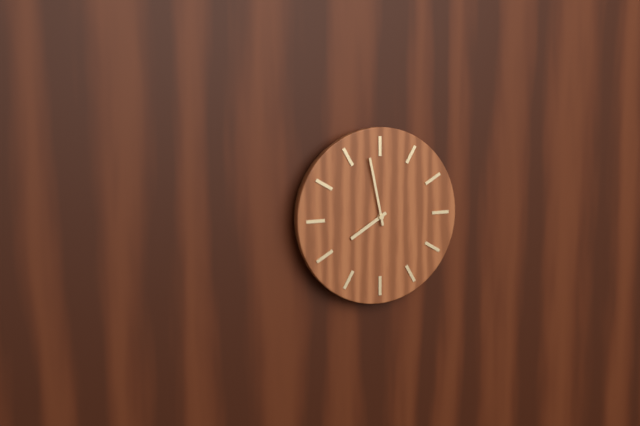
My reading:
**7:58**
